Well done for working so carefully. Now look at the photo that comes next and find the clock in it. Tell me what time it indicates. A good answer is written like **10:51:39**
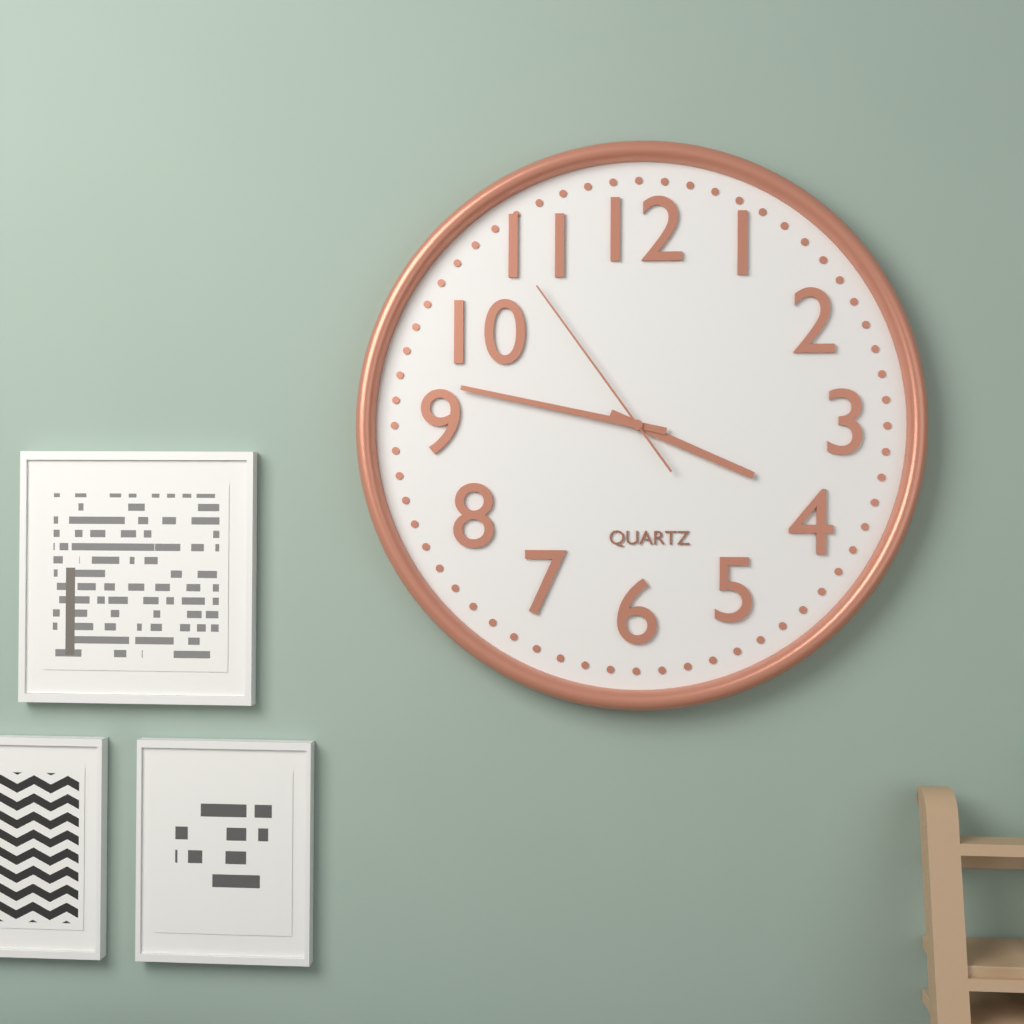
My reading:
**3:47:54**
